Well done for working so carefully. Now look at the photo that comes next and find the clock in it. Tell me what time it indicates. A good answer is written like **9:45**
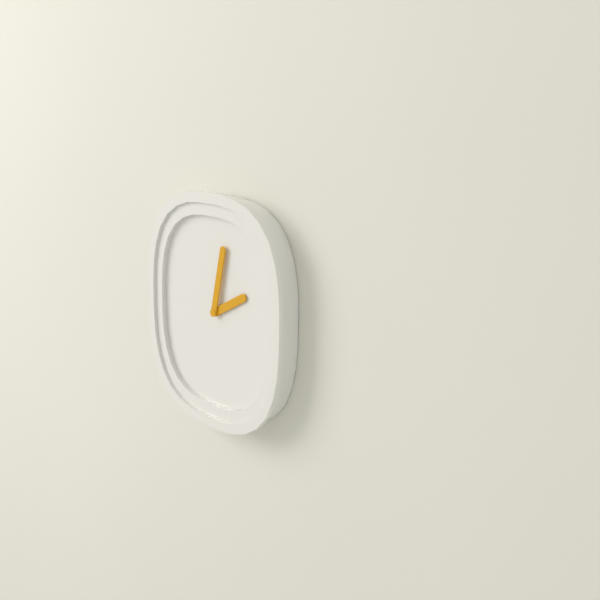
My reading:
**2:02**
